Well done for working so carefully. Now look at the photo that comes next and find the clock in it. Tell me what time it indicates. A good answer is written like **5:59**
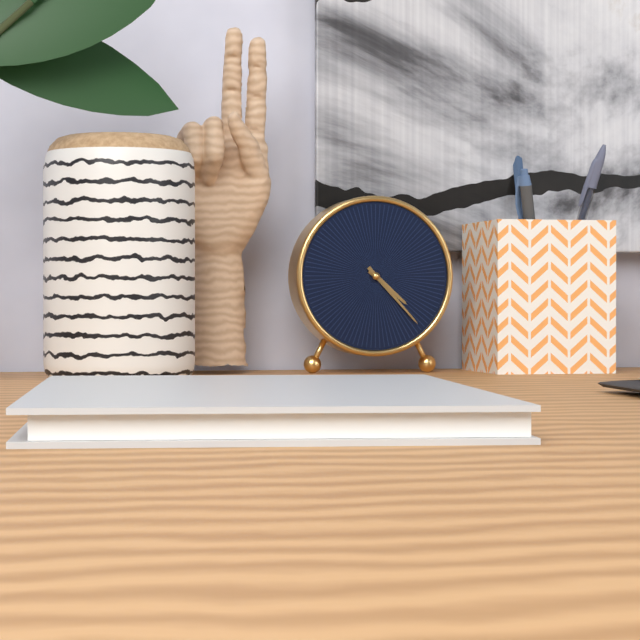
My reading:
**4:23**
